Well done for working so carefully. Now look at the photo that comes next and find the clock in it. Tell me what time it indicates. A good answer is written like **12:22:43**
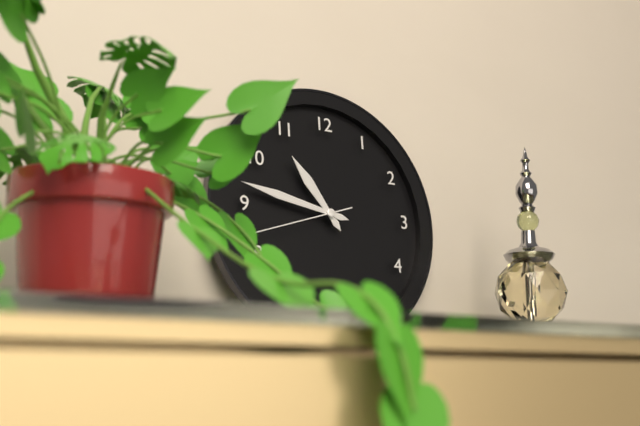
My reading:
**10:47:42**
